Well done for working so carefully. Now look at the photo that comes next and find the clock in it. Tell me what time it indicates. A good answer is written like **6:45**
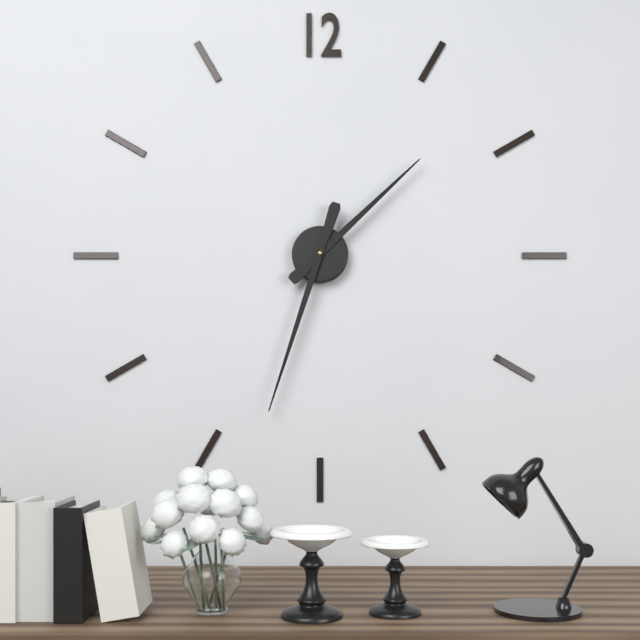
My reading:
**1:33**
